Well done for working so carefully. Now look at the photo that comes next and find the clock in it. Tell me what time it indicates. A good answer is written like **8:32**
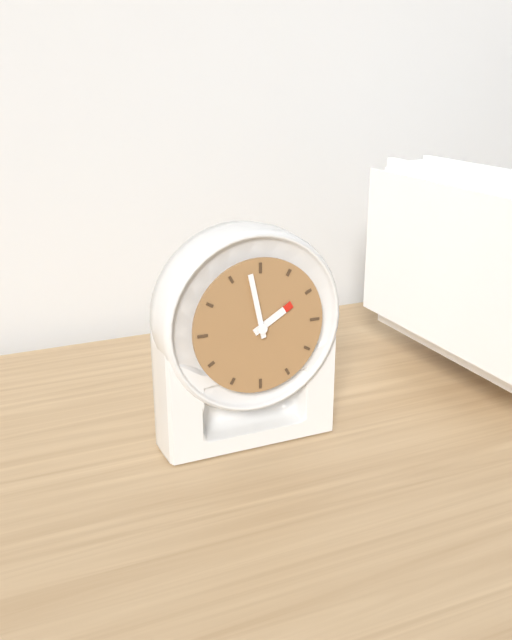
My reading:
**1:58**
